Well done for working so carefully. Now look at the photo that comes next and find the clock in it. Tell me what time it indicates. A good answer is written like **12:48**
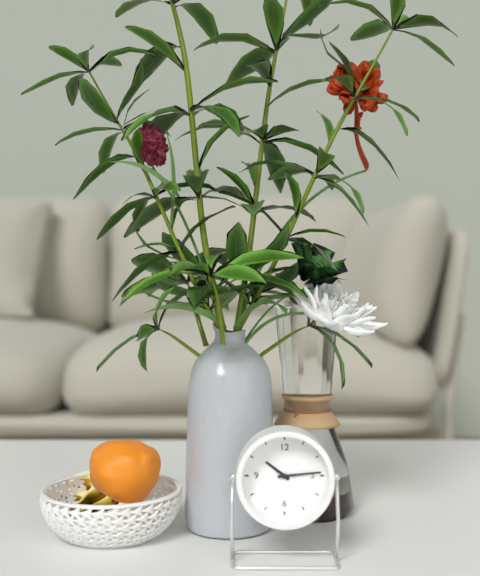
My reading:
**10:14**
